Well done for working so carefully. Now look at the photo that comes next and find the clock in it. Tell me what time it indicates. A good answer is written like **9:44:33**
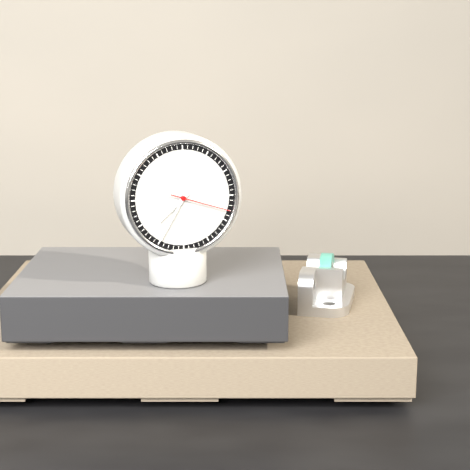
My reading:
**7:35:18**
